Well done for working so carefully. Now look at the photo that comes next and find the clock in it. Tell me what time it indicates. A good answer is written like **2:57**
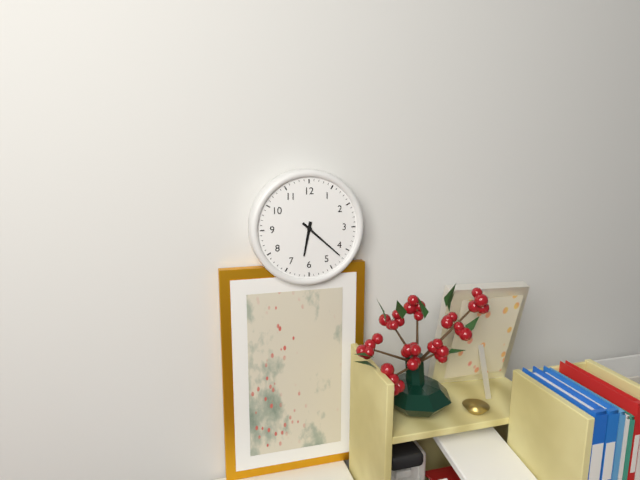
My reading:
**6:22**
